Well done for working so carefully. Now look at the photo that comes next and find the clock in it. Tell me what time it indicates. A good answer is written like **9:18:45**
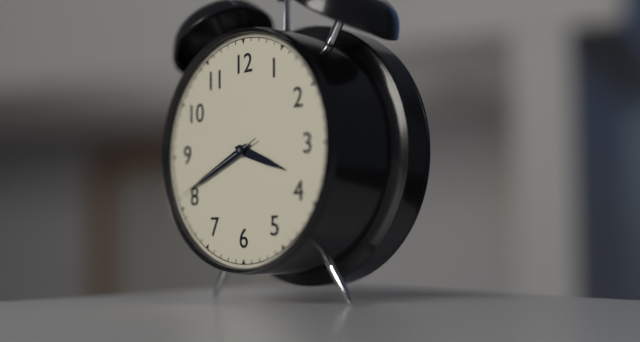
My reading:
**3:41:41**
